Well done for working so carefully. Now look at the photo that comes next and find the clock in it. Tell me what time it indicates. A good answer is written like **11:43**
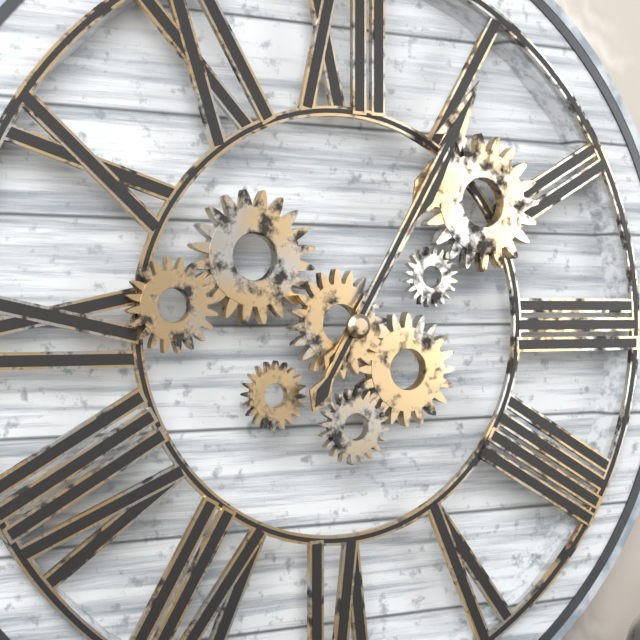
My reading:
**1:05**
